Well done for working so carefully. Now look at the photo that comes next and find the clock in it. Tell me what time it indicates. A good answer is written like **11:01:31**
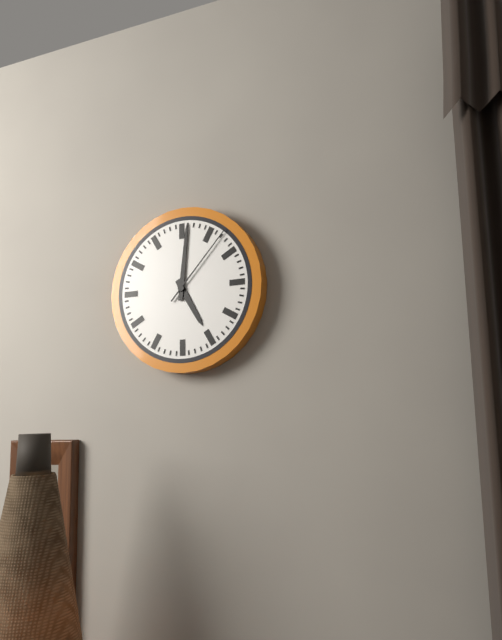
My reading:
**5:01:07**
